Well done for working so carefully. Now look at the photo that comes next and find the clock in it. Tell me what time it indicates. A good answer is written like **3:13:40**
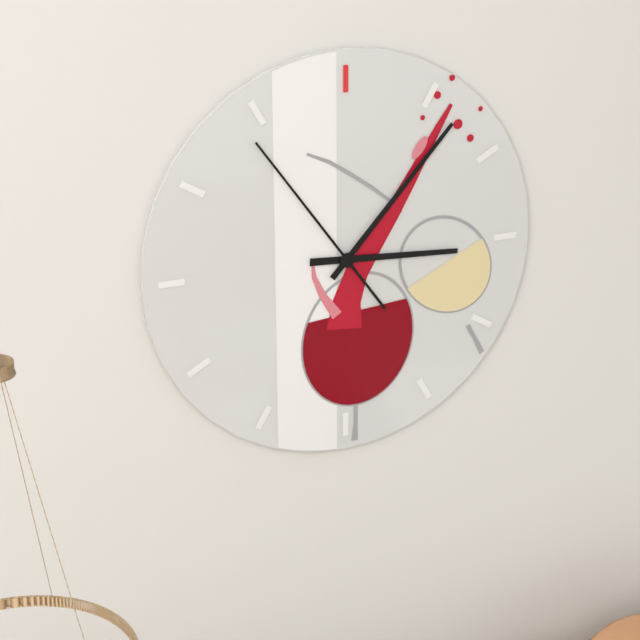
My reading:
**3:07:54**
